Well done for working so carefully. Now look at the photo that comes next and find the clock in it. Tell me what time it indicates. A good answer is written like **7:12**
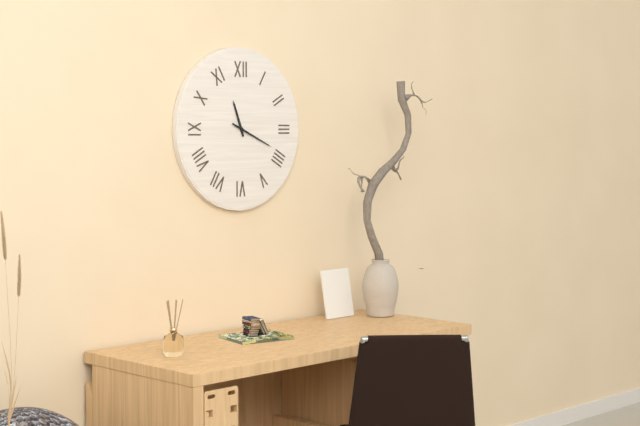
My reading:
**11:19**
